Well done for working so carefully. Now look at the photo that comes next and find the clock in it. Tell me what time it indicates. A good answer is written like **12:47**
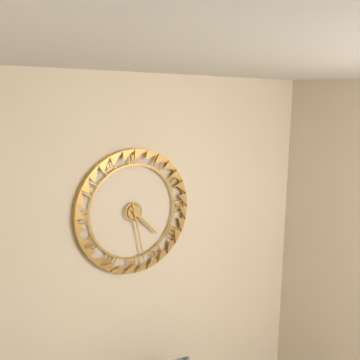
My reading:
**4:28**
